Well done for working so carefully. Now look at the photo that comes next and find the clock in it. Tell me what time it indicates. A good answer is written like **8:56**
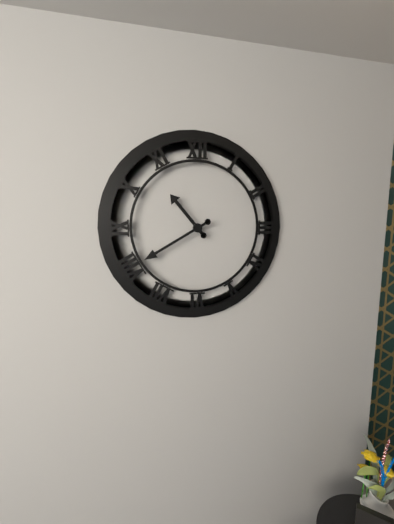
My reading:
**10:40**
